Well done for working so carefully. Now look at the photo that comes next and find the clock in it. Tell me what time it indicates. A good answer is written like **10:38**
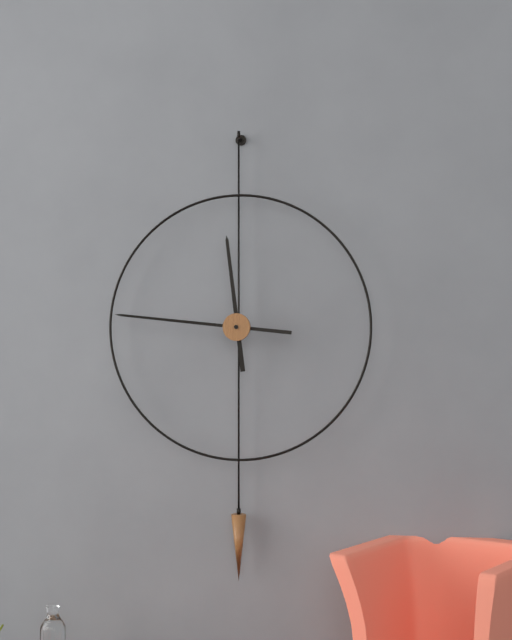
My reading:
**11:46**
